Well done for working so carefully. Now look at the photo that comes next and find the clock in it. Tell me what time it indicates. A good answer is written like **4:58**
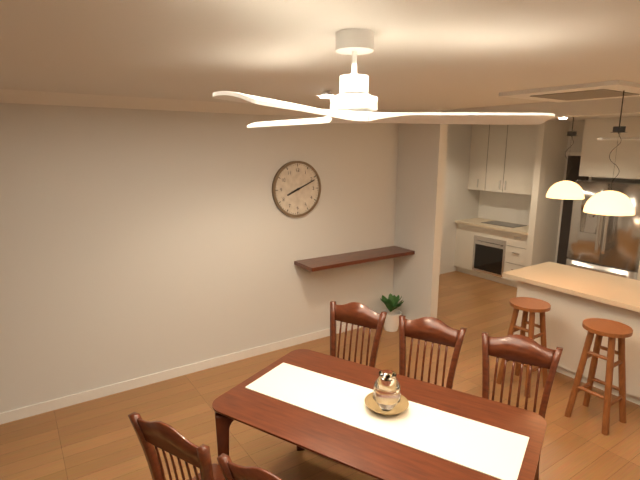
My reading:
**8:11**
